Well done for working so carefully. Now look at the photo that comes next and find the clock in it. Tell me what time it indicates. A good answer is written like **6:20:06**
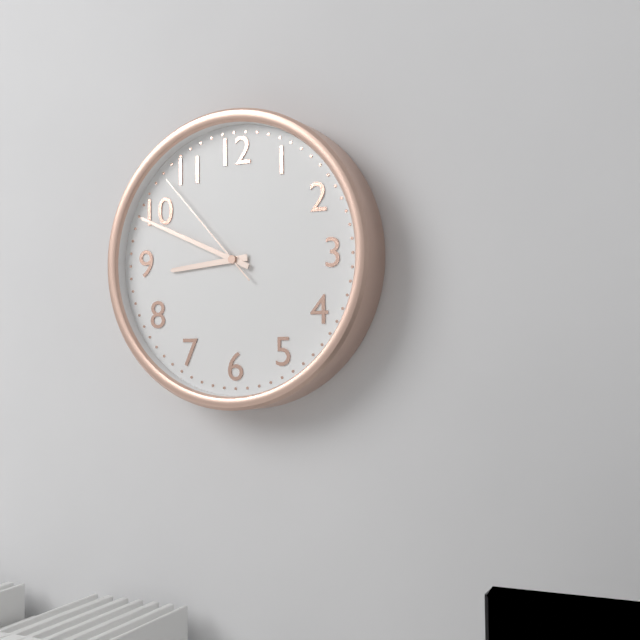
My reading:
**8:49:53**
